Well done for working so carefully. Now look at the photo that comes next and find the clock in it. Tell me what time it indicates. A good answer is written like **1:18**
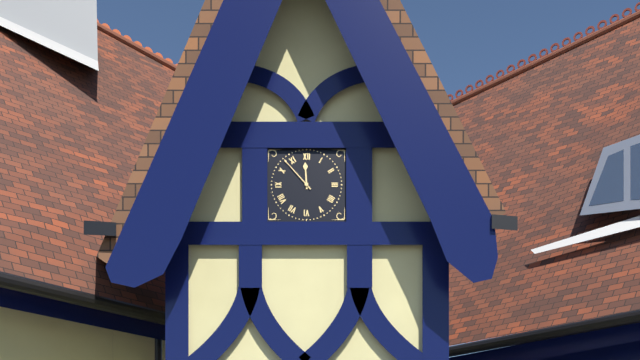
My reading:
**11:53**
